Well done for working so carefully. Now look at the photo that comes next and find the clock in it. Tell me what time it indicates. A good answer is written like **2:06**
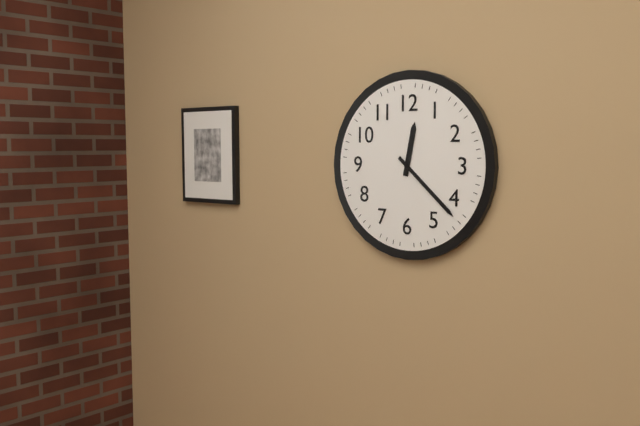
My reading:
**12:22**
